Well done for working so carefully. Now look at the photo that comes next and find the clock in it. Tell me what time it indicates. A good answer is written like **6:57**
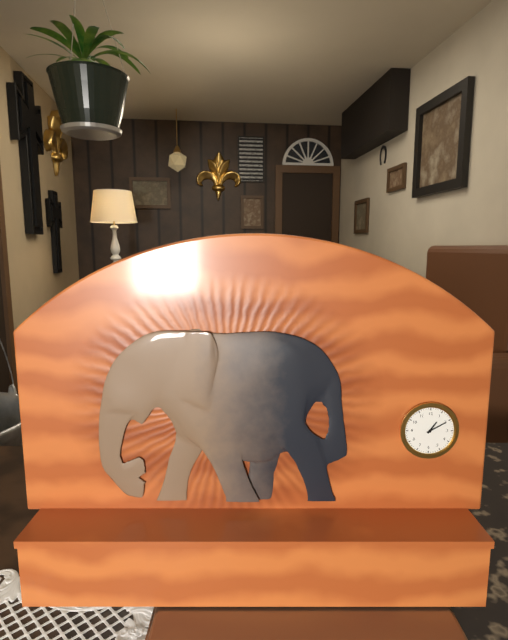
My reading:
**1:10**
